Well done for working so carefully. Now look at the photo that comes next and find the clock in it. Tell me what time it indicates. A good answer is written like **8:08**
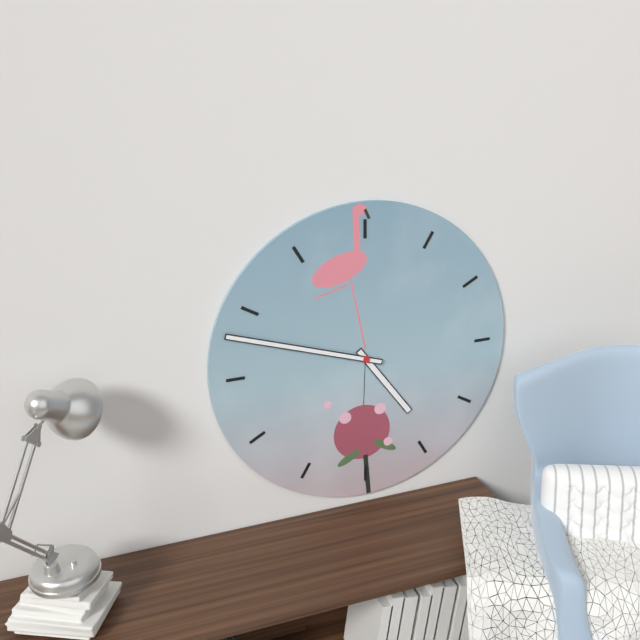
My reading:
**4:48**
